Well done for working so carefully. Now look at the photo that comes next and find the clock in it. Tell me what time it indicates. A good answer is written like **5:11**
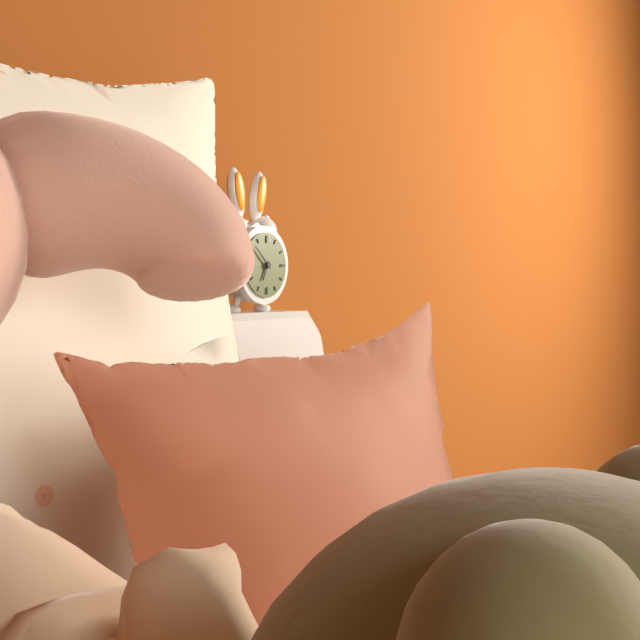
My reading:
**6:52**
